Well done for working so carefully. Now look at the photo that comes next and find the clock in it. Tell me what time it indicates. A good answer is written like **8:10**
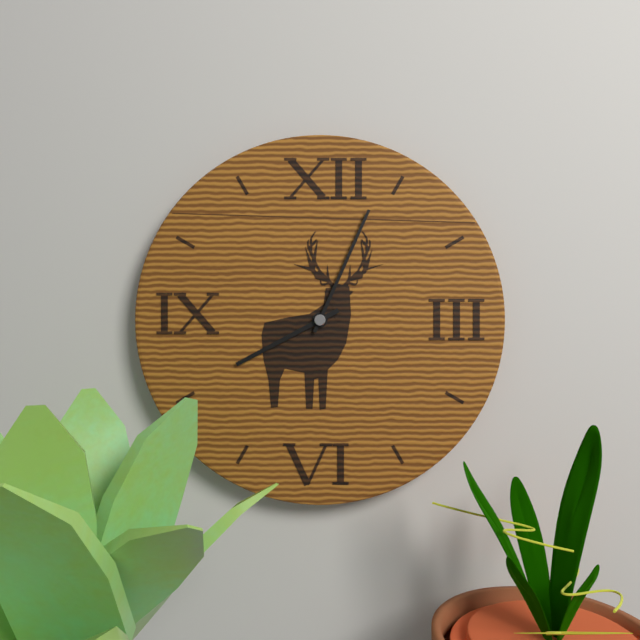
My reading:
**8:04**
